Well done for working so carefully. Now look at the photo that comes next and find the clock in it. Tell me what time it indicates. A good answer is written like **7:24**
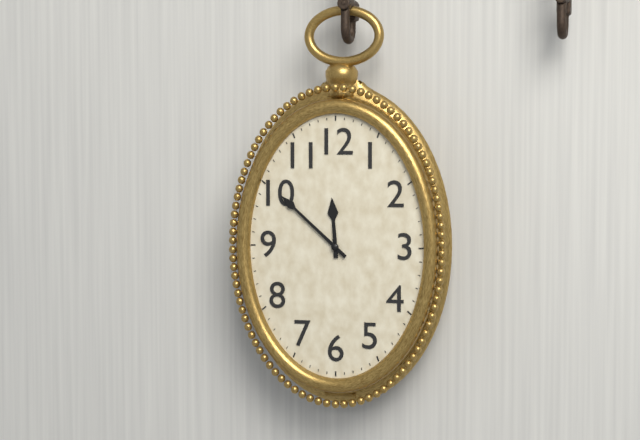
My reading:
**11:52**
